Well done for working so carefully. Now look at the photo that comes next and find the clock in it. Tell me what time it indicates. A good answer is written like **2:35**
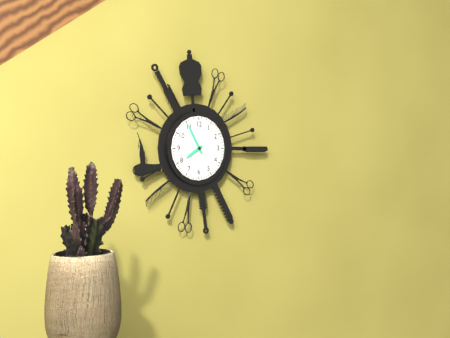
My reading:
**7:55**
